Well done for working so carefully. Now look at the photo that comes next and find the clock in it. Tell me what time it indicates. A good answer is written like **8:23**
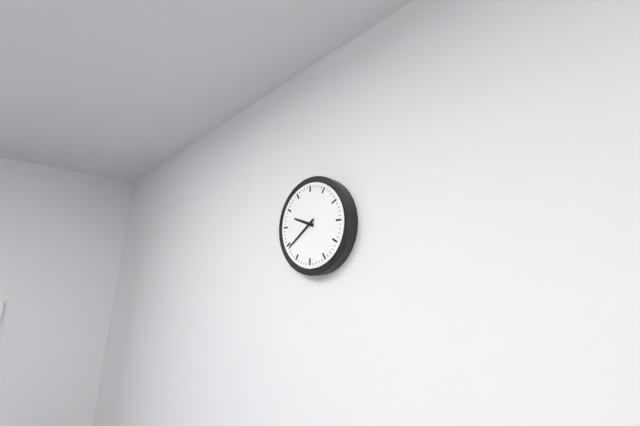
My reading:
**9:39**
